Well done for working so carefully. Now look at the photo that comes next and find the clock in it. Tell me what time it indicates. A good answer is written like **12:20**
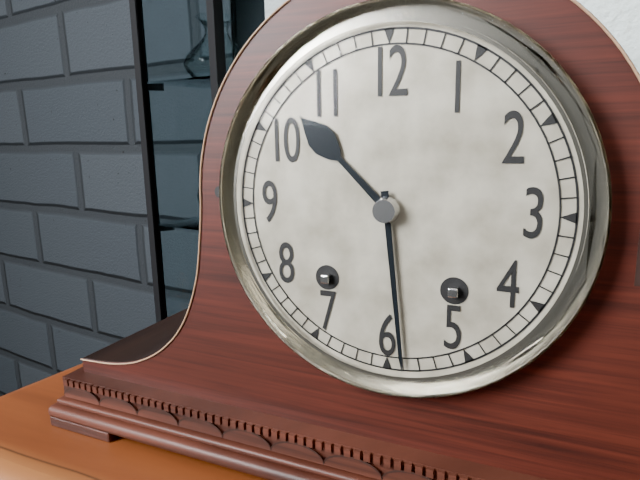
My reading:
**10:29**
